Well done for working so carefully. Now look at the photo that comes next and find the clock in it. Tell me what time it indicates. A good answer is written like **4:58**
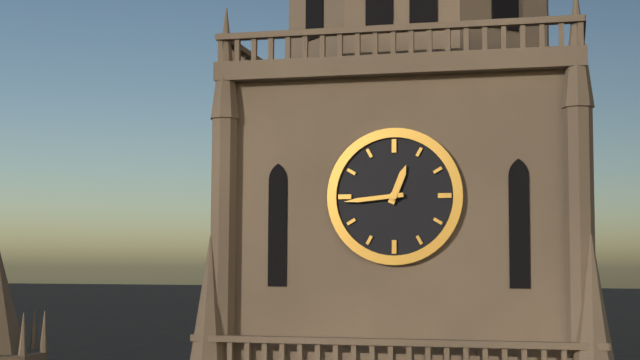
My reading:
**12:44**
